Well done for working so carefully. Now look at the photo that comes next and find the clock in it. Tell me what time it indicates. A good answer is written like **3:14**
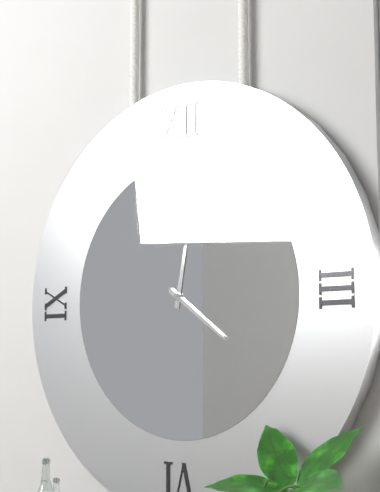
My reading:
**12:21**
